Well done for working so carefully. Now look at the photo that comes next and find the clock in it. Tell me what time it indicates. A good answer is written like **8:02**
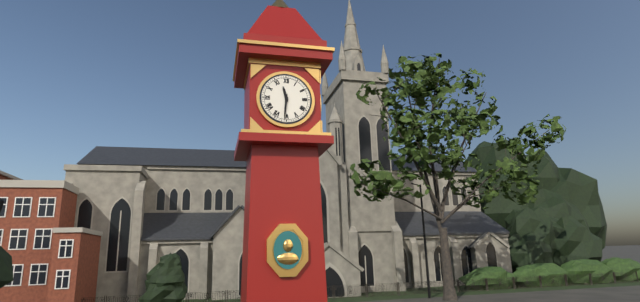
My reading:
**11:31**
